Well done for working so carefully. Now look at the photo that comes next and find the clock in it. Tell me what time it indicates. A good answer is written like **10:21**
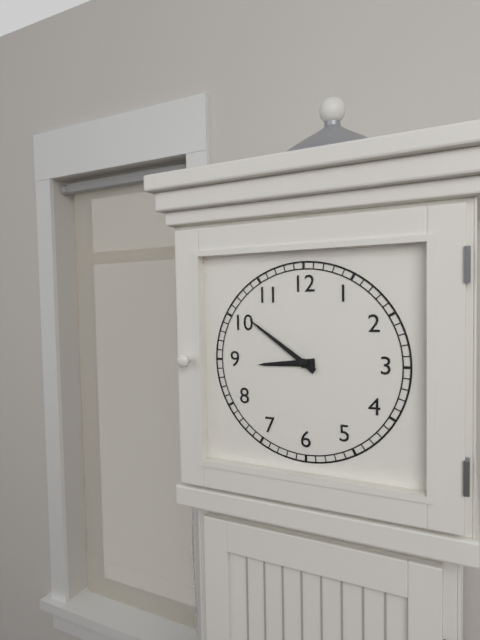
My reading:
**8:51**
